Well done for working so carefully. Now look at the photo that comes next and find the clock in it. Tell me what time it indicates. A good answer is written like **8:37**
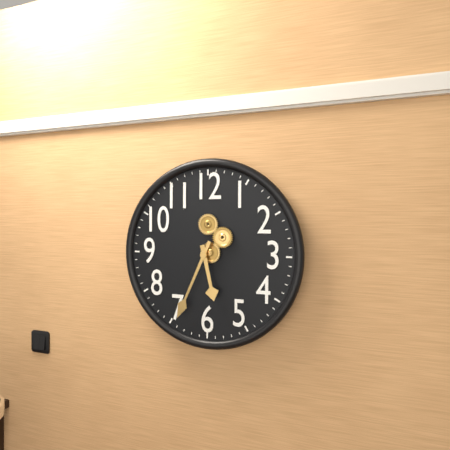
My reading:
**5:34**
